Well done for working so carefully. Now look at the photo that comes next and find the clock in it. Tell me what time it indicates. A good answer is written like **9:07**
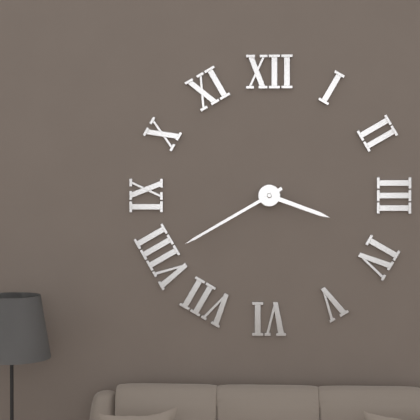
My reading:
**3:40**
